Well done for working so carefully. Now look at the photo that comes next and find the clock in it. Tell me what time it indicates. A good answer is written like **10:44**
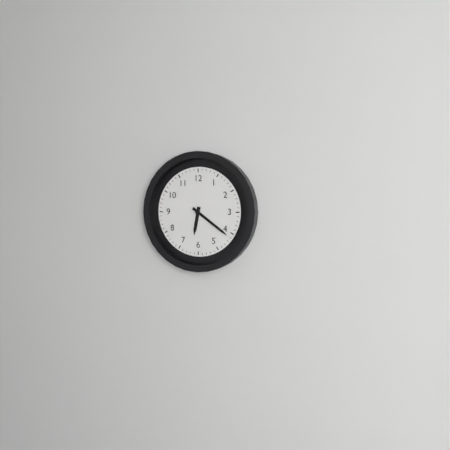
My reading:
**6:21**
